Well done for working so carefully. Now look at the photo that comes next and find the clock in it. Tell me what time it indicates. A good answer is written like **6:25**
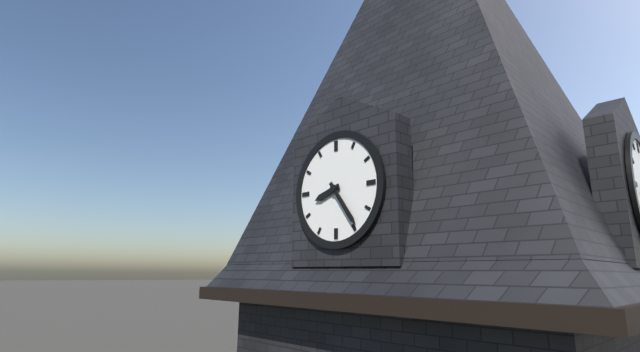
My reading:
**8:24**
